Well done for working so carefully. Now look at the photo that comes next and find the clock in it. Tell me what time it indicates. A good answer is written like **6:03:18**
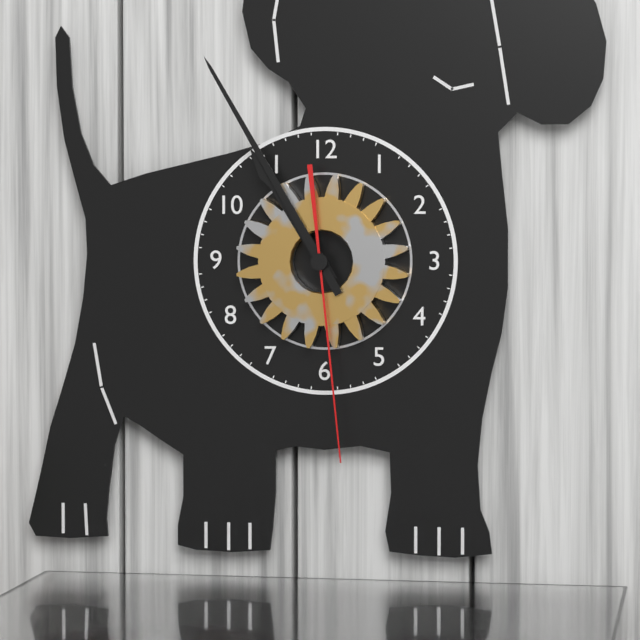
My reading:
**10:55:29**
